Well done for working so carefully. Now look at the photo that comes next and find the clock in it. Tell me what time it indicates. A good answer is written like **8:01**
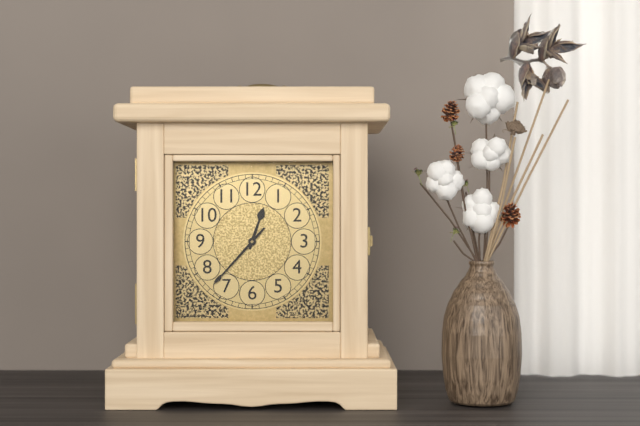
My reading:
**12:37**
